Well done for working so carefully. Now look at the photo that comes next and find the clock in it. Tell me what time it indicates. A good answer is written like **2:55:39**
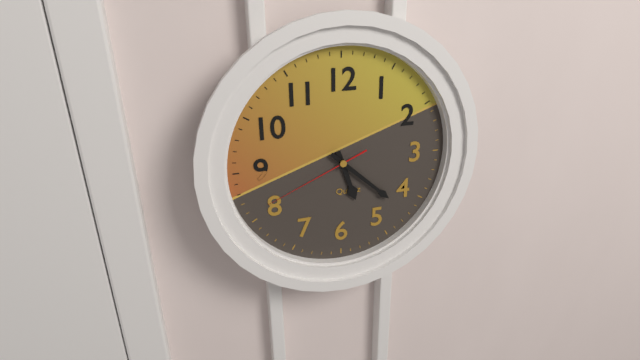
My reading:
**5:22:41**
